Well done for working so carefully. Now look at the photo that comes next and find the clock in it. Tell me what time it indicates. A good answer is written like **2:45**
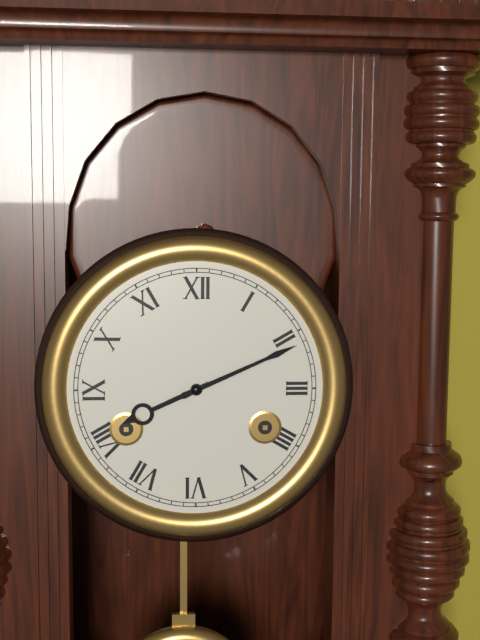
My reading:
**8:11**
